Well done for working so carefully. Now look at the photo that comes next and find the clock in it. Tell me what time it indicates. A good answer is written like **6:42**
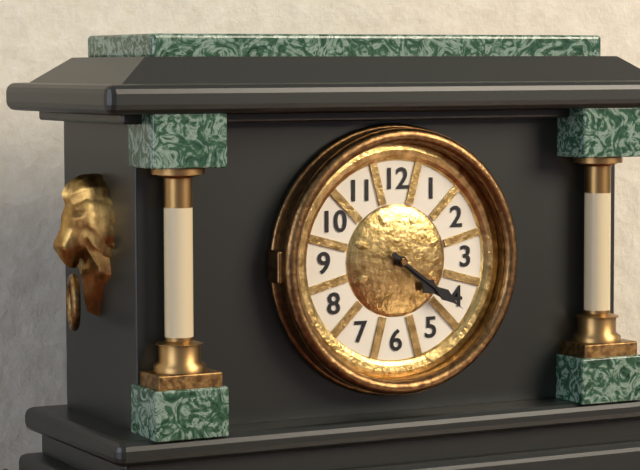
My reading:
**4:21**
